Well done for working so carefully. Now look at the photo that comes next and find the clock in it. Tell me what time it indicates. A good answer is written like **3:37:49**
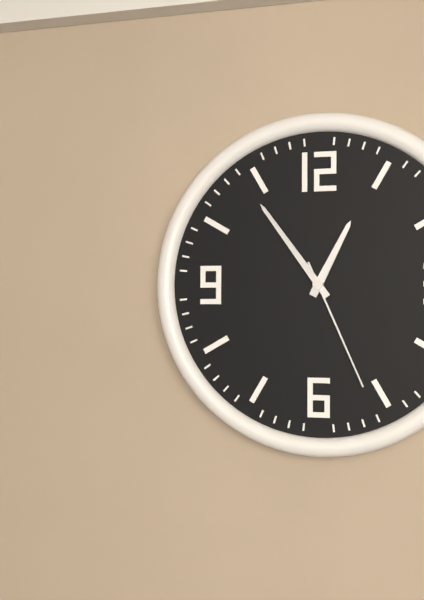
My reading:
**12:54:26**
